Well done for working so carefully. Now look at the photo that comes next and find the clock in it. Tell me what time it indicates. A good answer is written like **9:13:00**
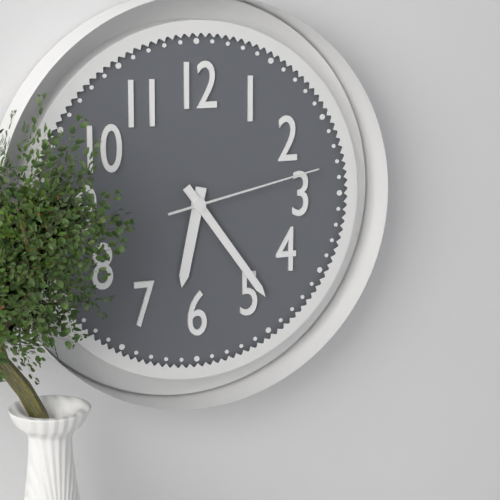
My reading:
**6:24:13**
